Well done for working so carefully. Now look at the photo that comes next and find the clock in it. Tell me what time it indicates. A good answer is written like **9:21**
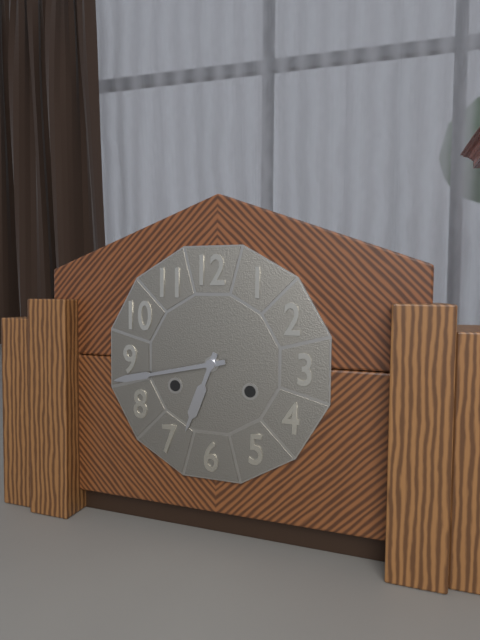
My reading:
**6:43**
